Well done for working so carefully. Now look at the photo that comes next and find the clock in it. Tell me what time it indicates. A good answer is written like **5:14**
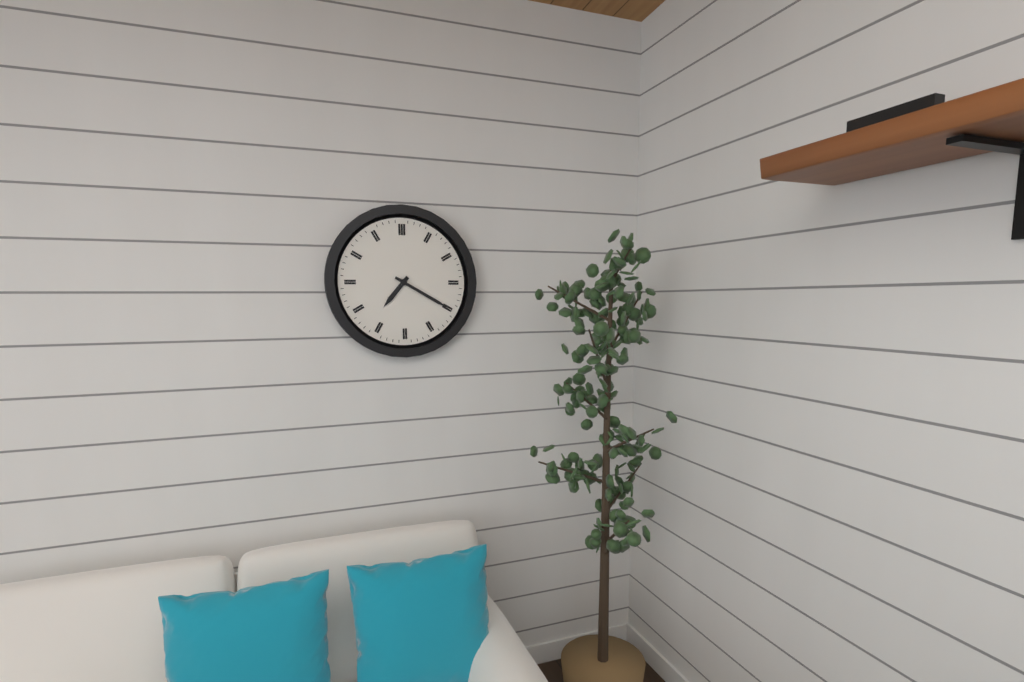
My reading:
**7:20**
